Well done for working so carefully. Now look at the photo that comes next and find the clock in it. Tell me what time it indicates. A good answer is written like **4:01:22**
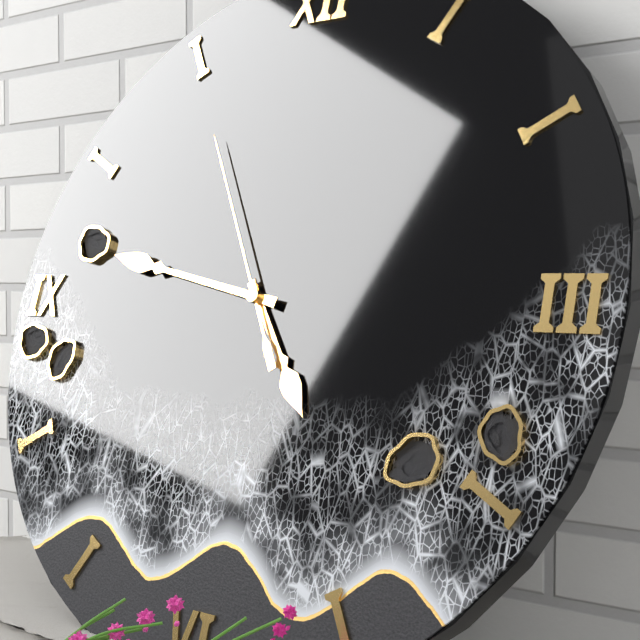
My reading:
**4:47:55**
